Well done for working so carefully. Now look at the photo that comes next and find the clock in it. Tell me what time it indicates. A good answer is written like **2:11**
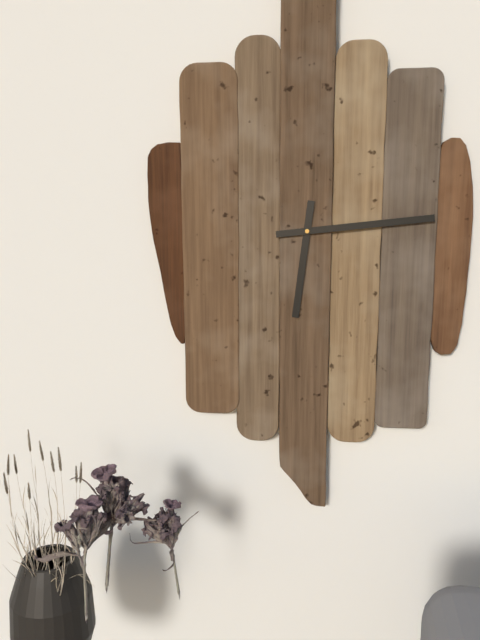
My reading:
**6:14**
